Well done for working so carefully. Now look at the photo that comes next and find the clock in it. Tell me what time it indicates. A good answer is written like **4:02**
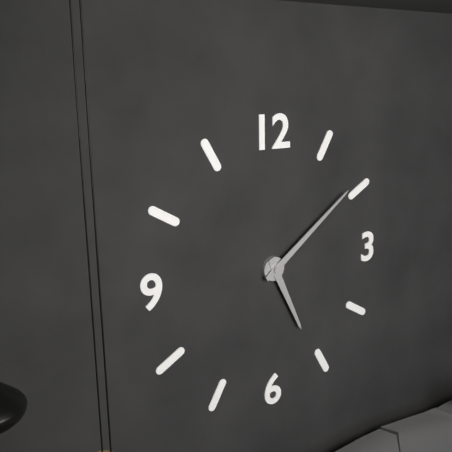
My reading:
**5:09**
